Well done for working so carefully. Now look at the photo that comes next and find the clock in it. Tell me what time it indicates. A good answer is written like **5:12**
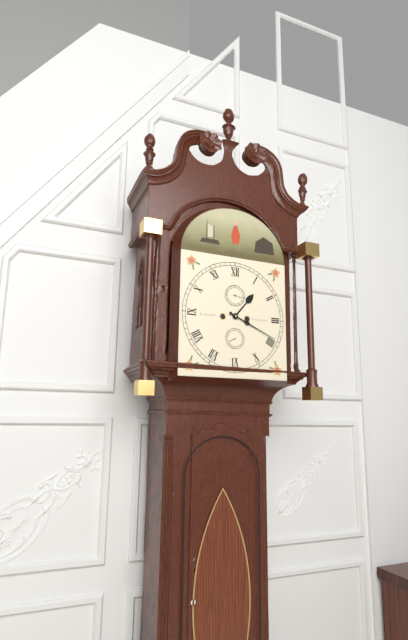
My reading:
**1:19**
